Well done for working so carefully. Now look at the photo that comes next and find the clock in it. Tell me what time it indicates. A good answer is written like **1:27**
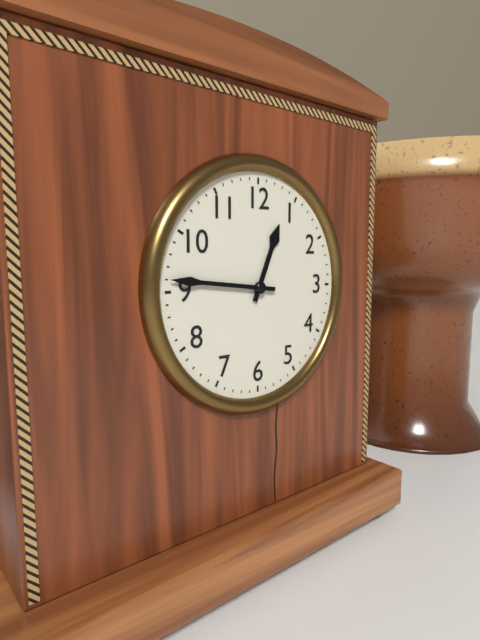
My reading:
**12:46**
